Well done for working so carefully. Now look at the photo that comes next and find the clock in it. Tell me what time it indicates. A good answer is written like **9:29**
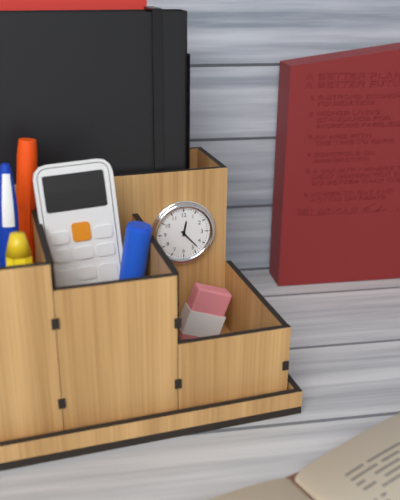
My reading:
**12:23**
